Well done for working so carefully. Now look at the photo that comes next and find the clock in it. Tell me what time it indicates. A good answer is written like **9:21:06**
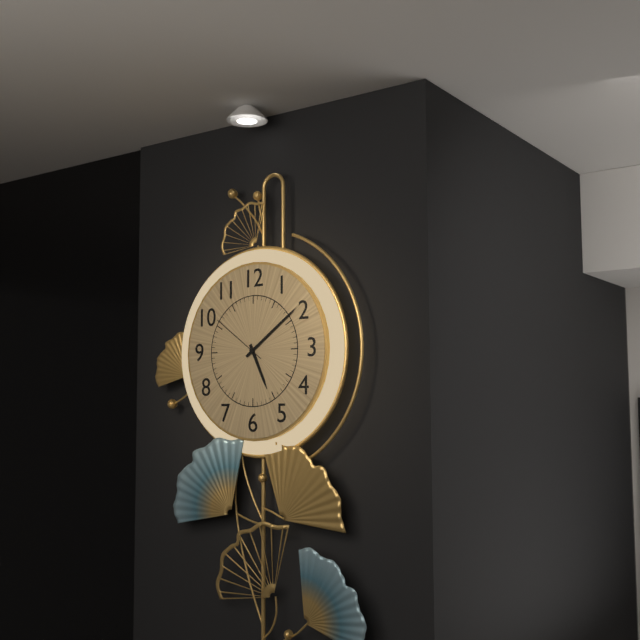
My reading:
**5:09:51**
